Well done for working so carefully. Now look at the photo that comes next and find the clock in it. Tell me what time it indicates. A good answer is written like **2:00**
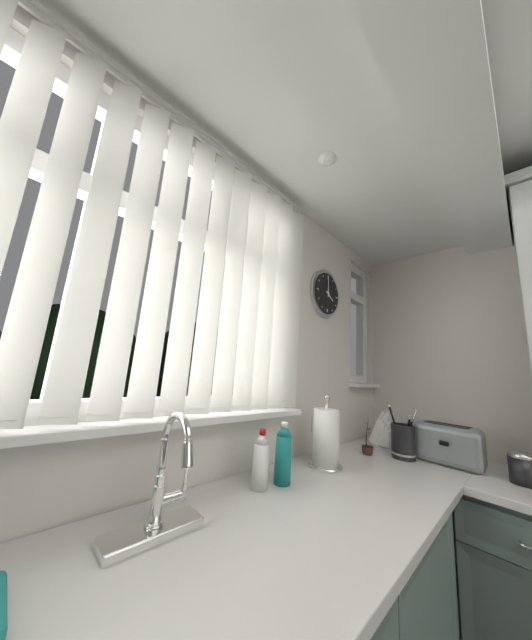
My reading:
**4:00**
